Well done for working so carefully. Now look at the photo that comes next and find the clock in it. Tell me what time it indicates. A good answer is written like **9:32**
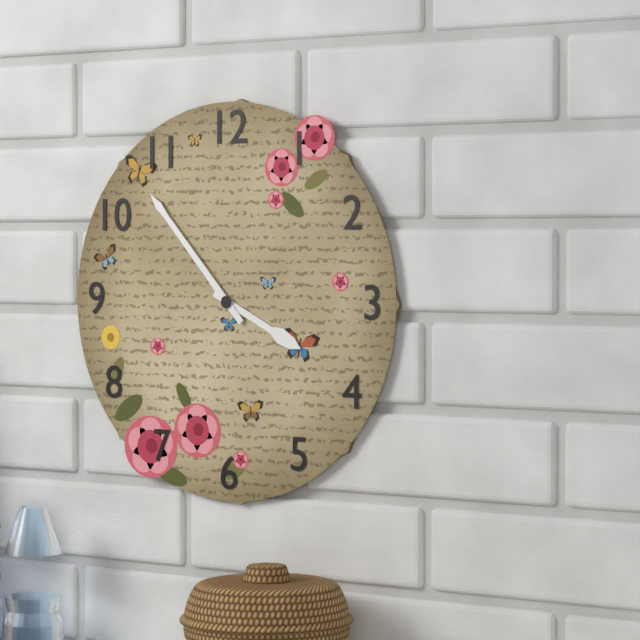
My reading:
**3:53**
